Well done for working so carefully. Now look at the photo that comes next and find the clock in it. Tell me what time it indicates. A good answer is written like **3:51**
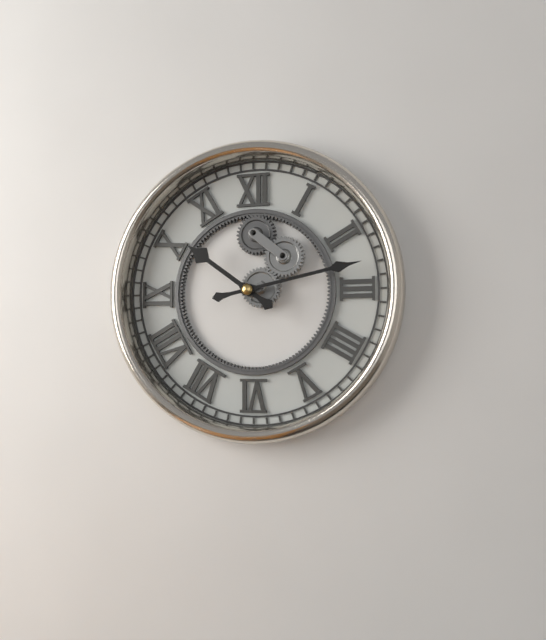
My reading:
**10:13**
